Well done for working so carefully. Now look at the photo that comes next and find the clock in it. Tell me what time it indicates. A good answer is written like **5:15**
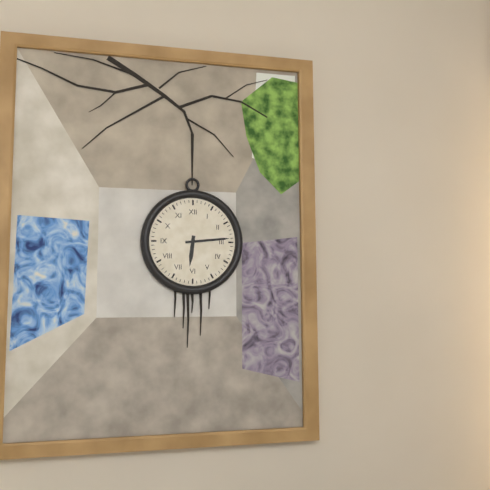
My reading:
**6:14**
